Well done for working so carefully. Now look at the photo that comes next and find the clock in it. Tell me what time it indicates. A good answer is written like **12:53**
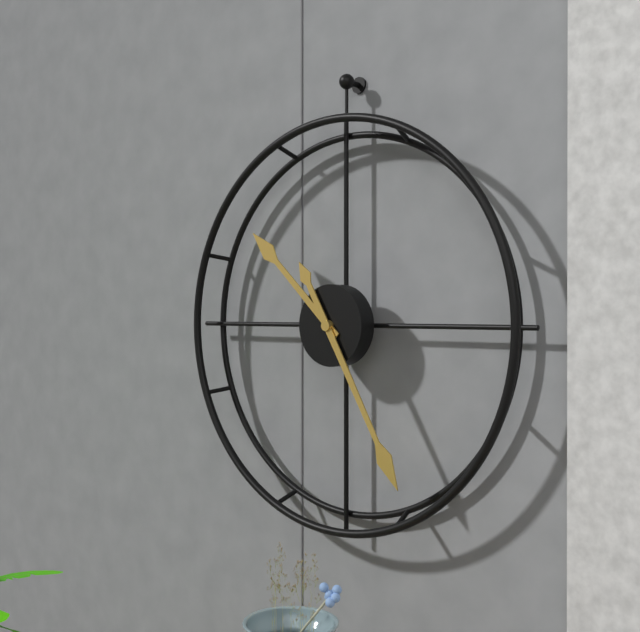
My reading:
**10:25**
